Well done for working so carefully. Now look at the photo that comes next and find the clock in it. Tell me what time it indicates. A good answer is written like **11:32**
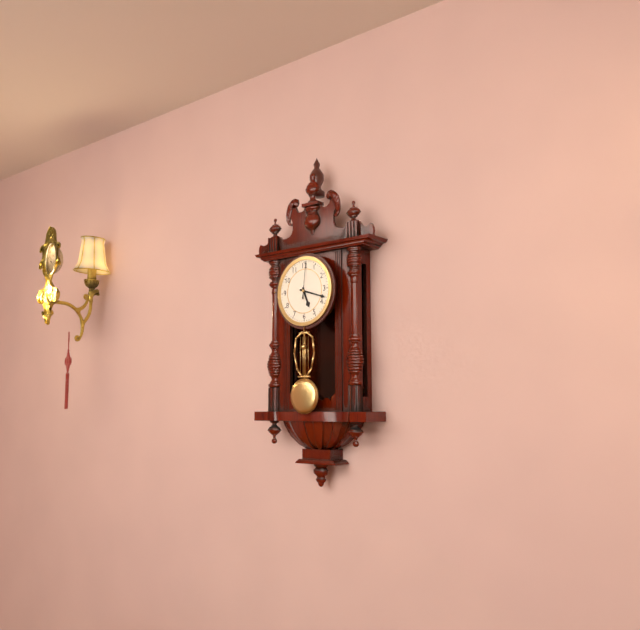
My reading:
**5:18**
